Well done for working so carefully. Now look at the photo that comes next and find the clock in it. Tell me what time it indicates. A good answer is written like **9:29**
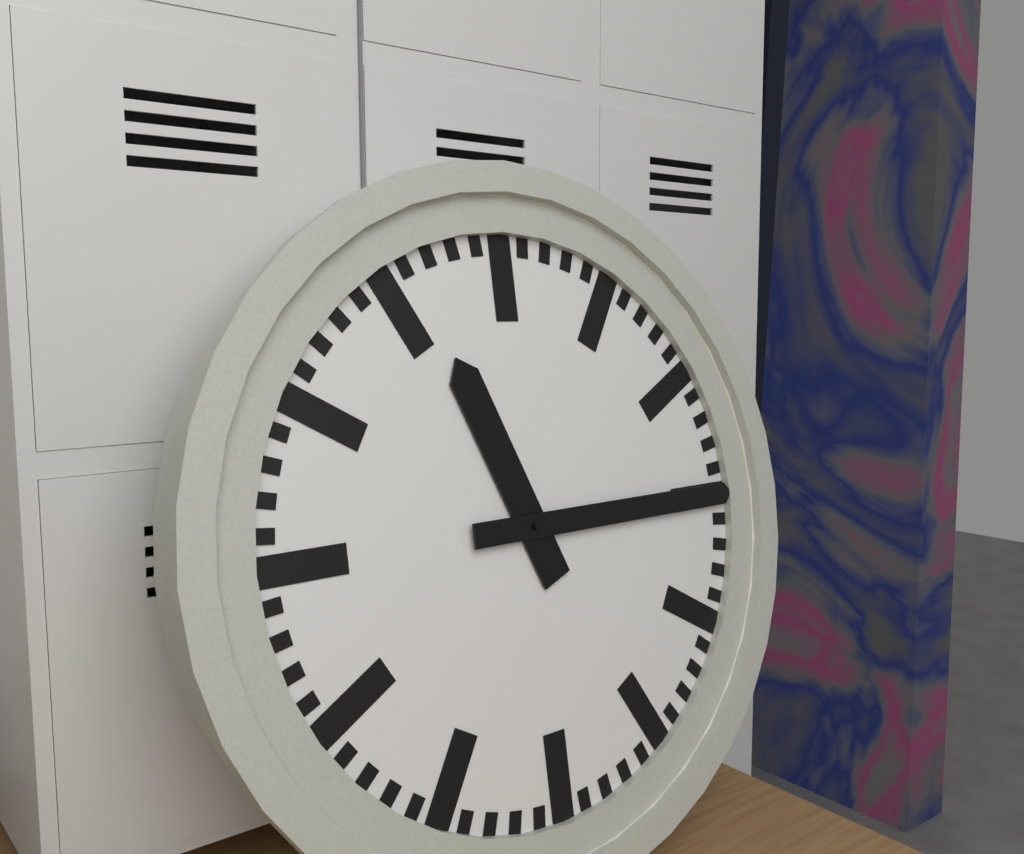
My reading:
**11:15**
